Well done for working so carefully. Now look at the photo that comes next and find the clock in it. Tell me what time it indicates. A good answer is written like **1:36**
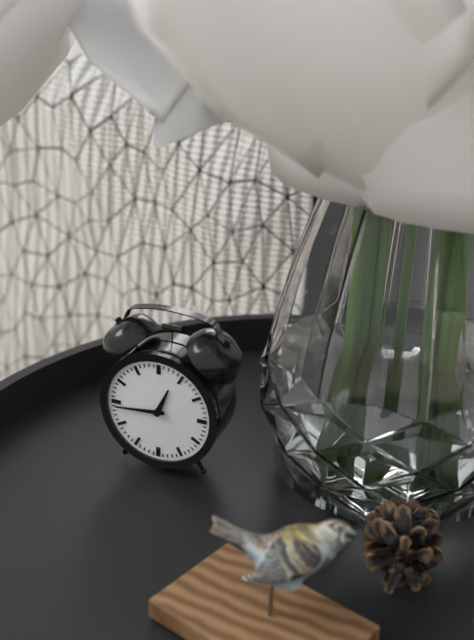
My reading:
**12:44**
